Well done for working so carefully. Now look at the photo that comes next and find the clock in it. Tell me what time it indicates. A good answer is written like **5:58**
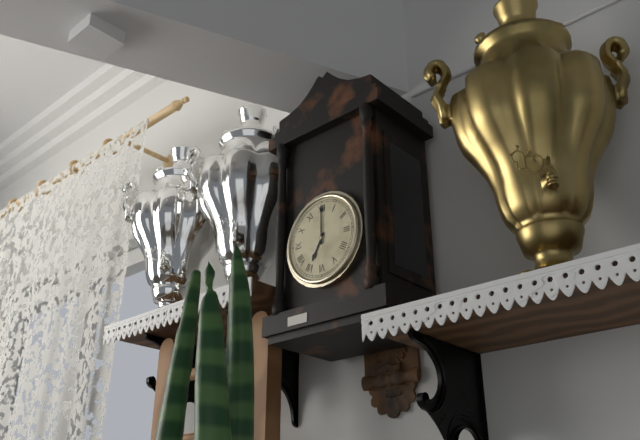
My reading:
**7:00**
